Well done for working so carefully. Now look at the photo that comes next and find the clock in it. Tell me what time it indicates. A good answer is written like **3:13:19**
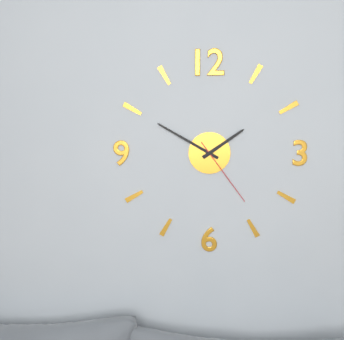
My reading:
**1:50:24**
